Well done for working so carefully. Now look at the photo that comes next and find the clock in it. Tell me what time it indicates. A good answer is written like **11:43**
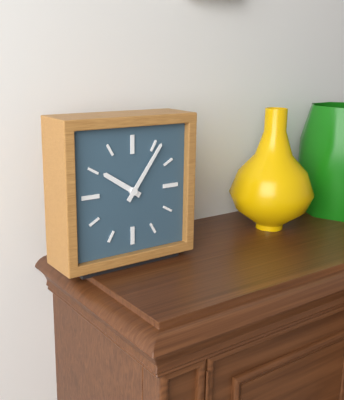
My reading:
**10:06**
